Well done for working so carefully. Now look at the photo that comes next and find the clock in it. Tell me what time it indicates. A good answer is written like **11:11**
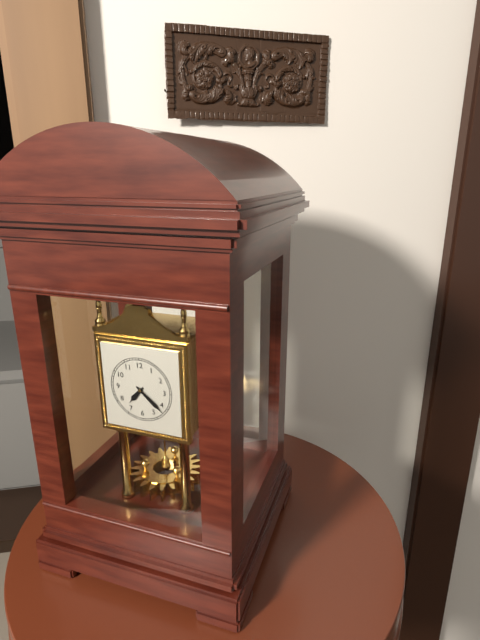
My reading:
**7:22**
